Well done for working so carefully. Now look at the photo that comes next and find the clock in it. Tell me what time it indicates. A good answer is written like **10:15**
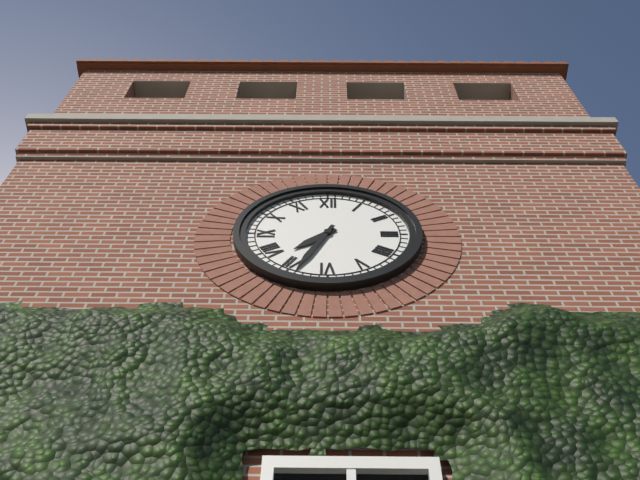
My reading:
**7:34**
